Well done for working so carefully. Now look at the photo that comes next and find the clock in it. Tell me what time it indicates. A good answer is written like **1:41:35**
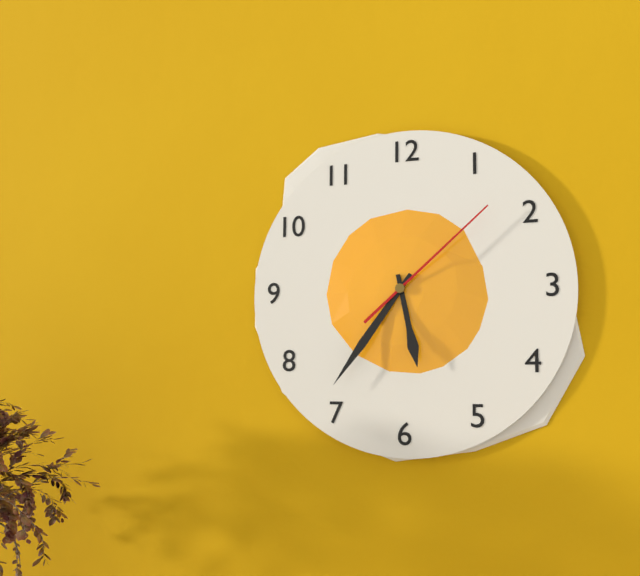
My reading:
**5:36:08**
